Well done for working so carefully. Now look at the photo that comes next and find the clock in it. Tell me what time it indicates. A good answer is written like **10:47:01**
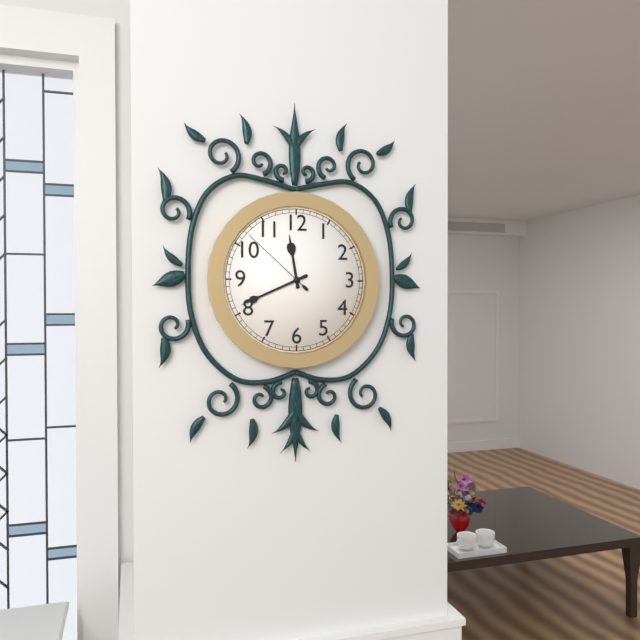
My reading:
**11:41:52**
